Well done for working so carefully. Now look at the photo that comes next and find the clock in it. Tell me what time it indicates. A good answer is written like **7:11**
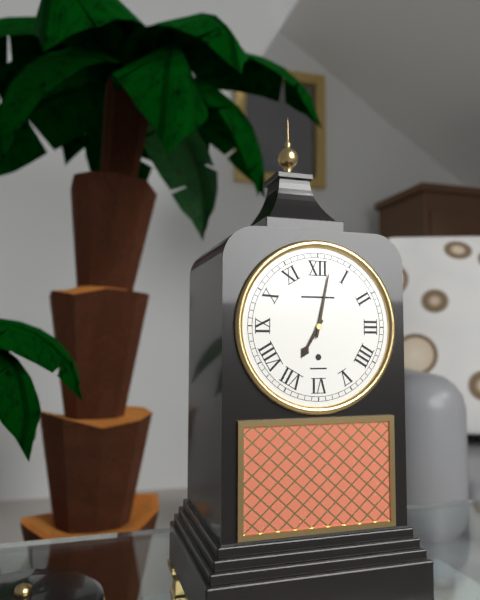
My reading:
**7:02**
